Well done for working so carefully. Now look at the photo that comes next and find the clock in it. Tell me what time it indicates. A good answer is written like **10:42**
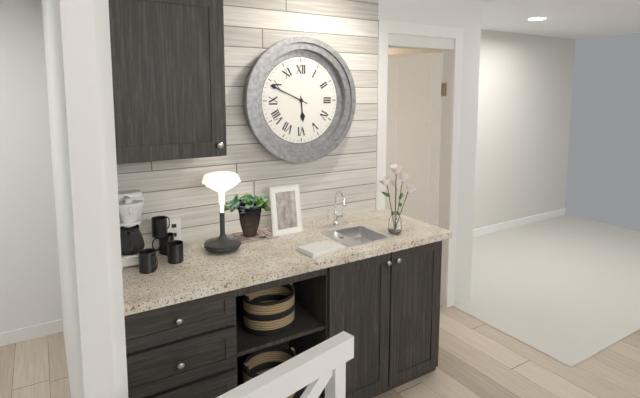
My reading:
**5:49**
